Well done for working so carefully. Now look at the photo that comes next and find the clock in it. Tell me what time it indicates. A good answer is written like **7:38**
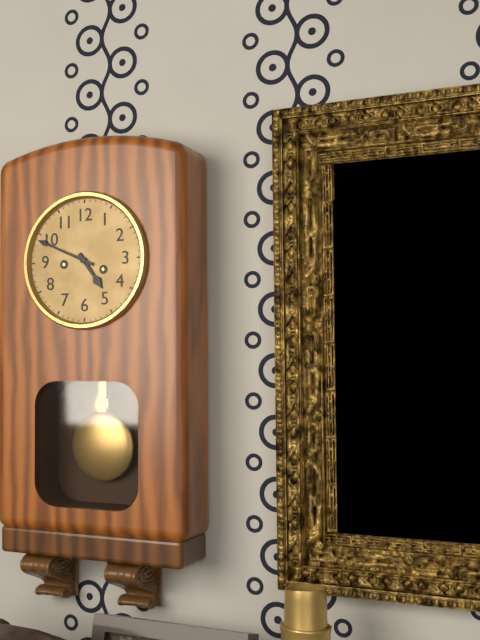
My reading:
**4:49**
